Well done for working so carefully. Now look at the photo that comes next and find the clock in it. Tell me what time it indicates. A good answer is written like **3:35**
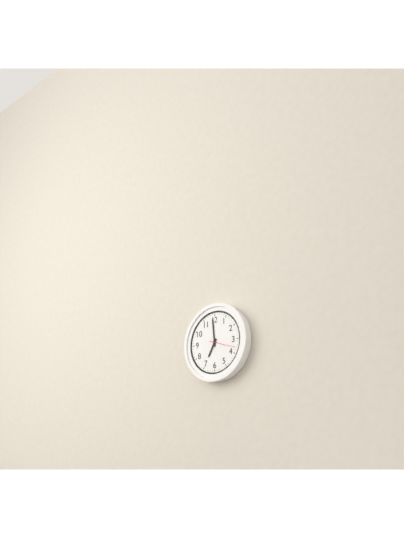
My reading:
**6:59**
